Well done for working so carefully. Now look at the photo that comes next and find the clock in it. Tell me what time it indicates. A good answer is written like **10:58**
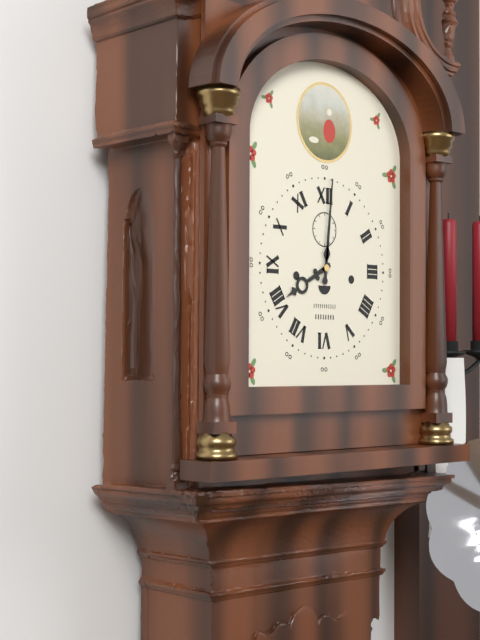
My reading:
**8:01**
